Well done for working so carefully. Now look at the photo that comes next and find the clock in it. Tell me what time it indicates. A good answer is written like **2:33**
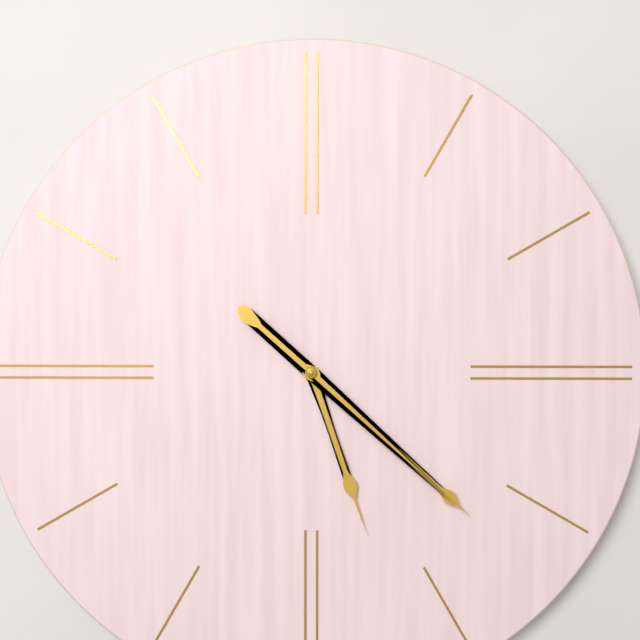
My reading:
**5:22**
